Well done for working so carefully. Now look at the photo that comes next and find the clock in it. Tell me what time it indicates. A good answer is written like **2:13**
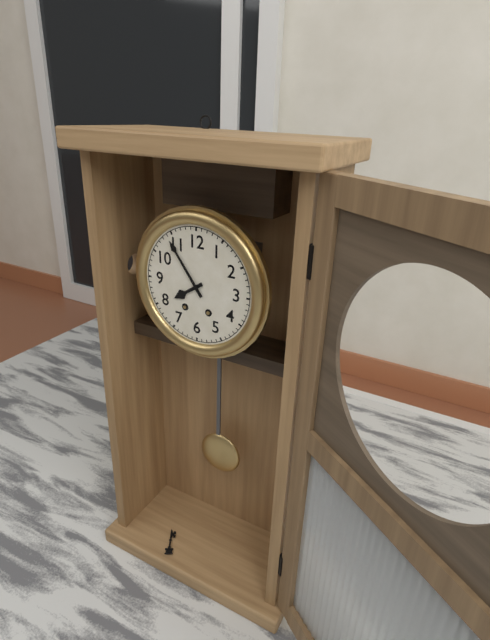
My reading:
**7:54**
